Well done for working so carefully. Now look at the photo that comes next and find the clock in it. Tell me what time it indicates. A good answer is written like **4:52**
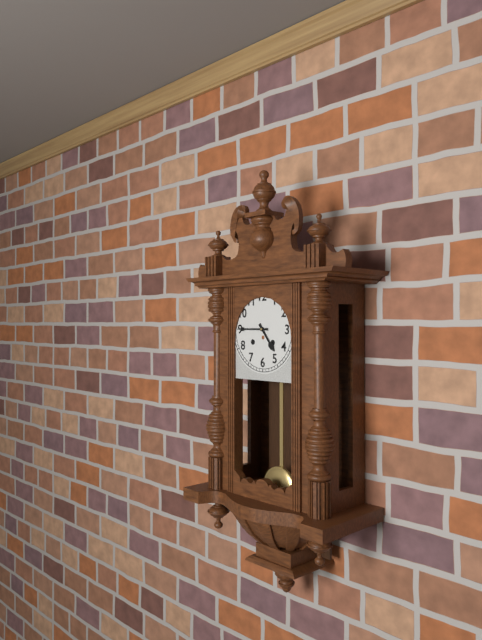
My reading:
**4:45**
